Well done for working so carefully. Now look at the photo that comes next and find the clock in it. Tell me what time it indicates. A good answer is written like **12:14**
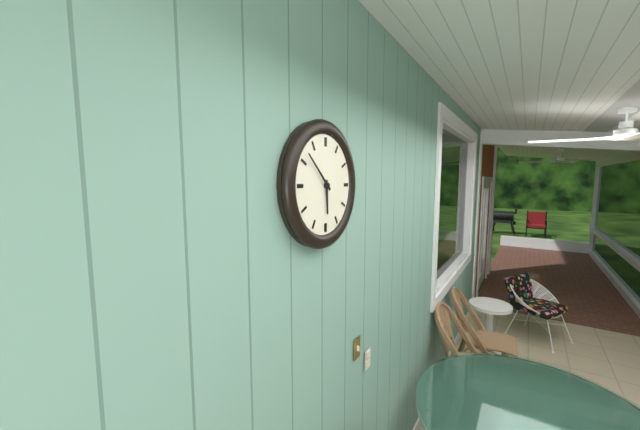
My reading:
**5:52**
